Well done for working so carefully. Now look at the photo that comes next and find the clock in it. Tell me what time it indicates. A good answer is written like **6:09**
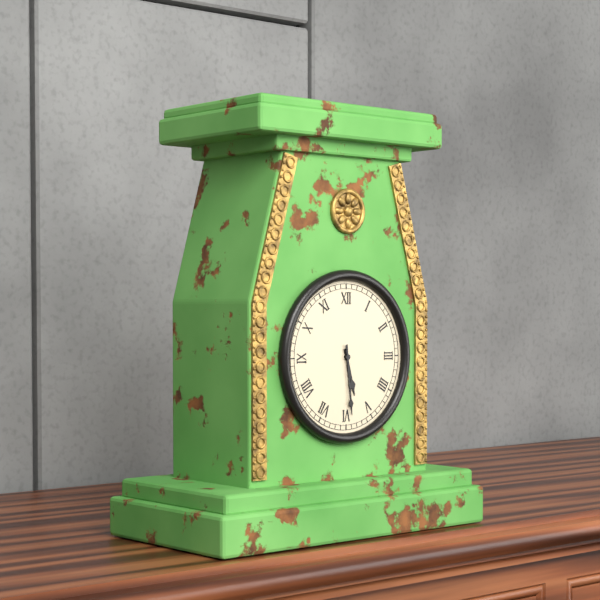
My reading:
**5:29**
